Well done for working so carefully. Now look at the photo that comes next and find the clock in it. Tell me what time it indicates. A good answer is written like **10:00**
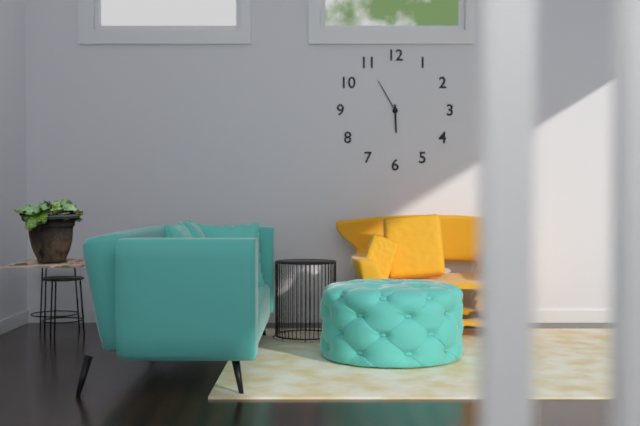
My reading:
**5:55**
